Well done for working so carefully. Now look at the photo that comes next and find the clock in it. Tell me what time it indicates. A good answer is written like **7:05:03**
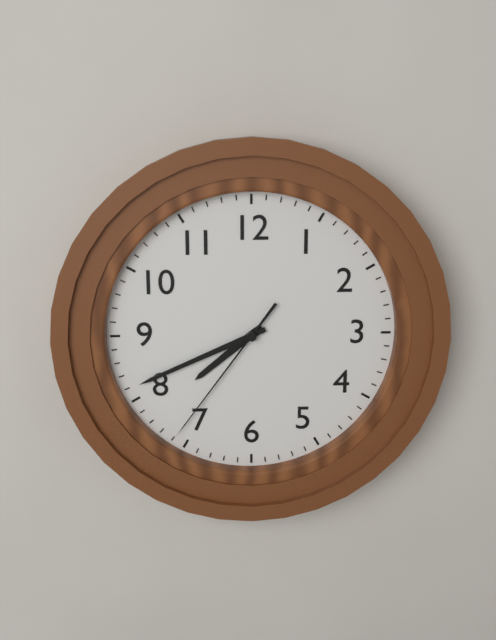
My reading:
**7:41:36**
